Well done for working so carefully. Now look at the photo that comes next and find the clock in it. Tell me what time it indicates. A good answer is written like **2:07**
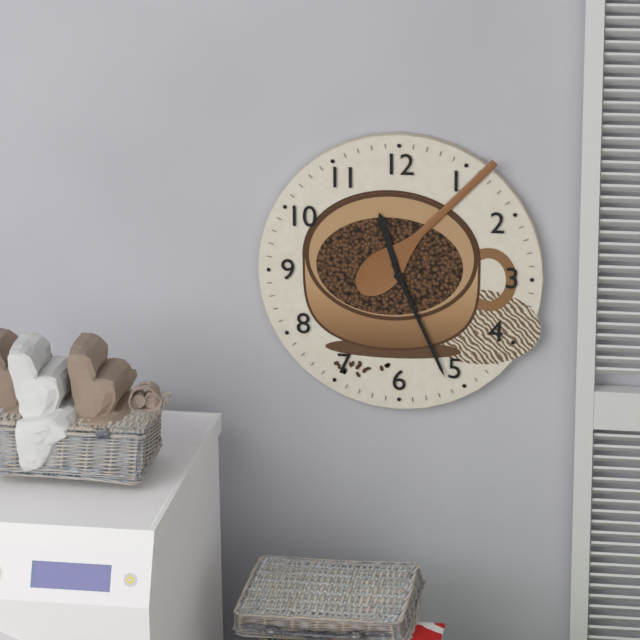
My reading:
**11:26**
